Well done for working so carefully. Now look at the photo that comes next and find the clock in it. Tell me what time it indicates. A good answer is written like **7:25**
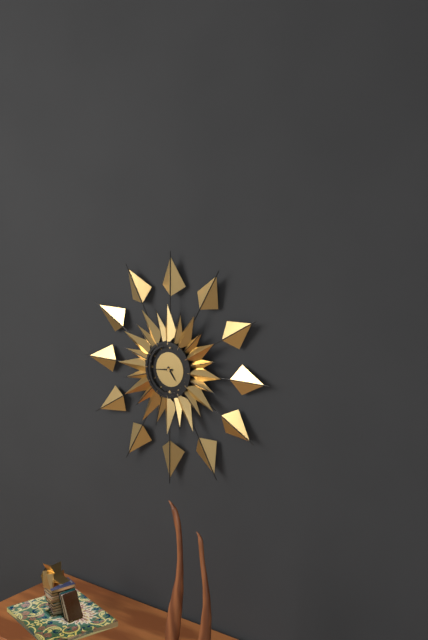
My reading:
**4:44**
